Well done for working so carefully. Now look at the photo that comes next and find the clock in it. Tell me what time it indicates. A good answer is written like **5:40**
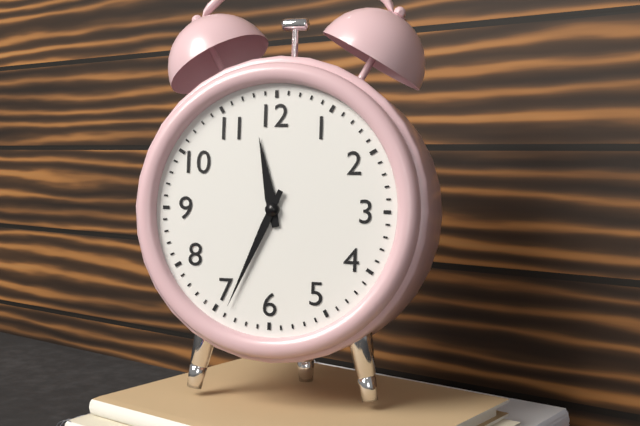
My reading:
**11:34**
